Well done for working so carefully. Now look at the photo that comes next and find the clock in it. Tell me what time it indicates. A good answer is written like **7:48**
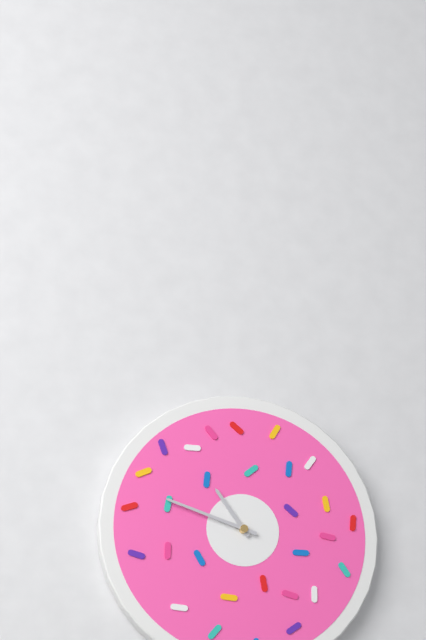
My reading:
**10:48**
